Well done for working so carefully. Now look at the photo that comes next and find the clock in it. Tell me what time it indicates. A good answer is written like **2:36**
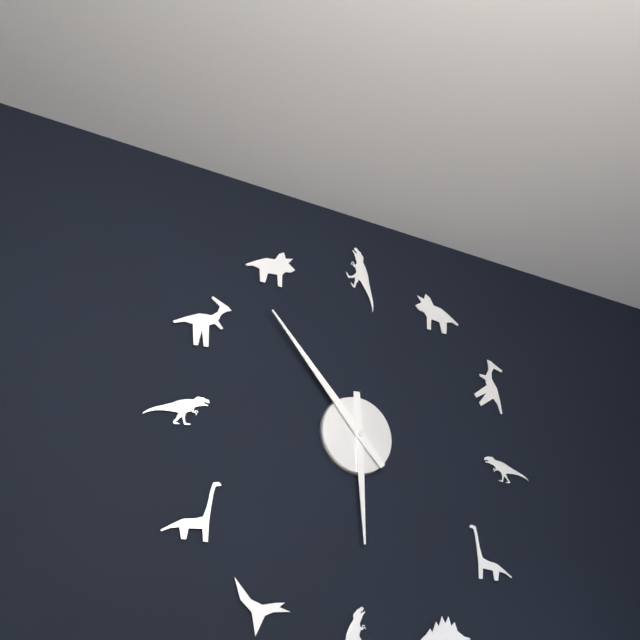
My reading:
**5:53**
